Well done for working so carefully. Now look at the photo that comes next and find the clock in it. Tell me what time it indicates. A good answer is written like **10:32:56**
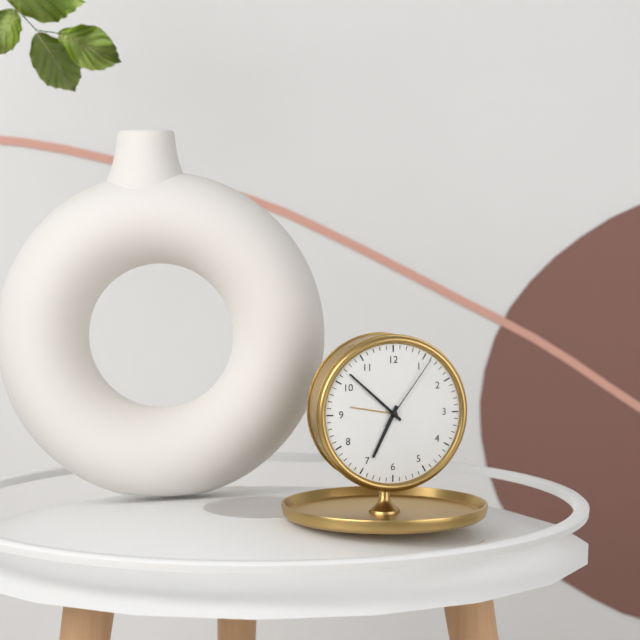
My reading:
**6:52:06**
